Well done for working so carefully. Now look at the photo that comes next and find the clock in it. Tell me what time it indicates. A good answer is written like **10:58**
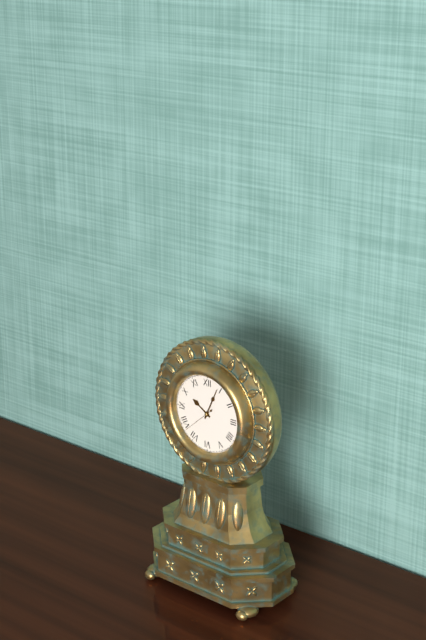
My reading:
**10:04**
